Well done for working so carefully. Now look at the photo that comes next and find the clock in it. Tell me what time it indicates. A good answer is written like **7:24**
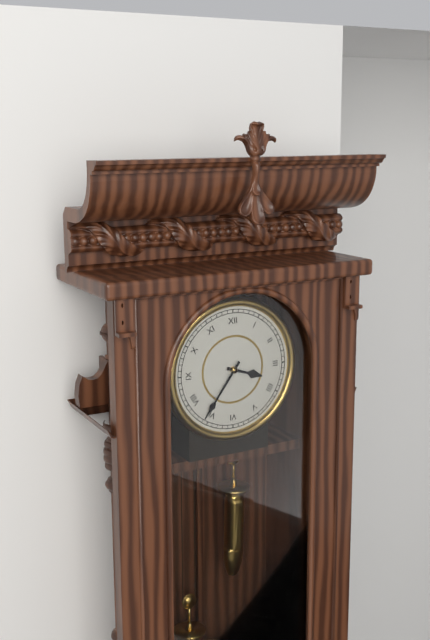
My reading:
**3:36**
